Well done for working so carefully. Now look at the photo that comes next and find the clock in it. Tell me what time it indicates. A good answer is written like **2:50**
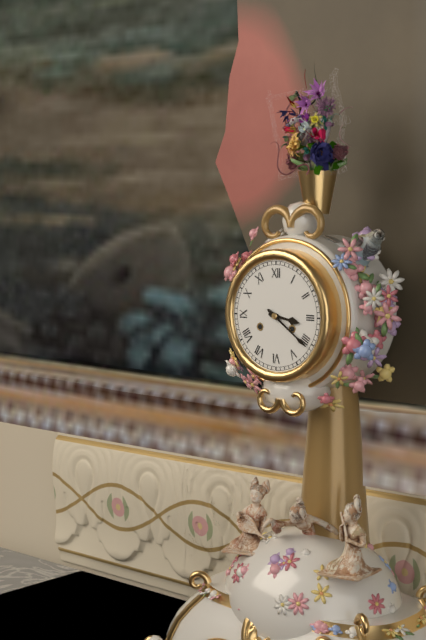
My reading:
**3:21**
